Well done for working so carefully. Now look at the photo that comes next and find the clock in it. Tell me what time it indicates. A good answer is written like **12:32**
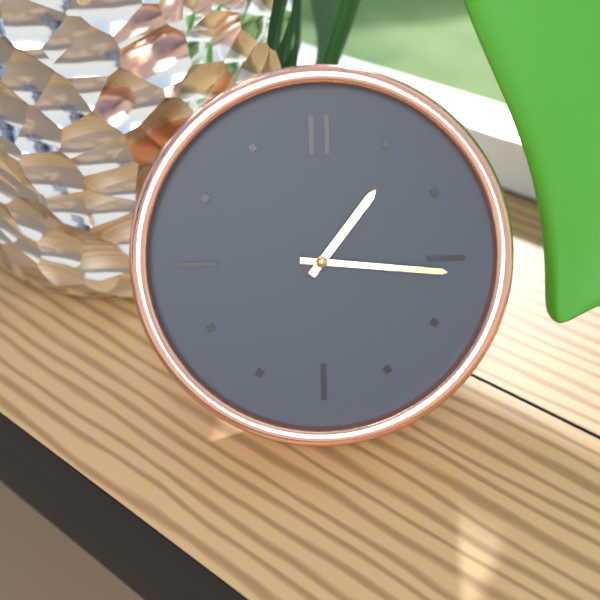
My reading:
**1:16**
